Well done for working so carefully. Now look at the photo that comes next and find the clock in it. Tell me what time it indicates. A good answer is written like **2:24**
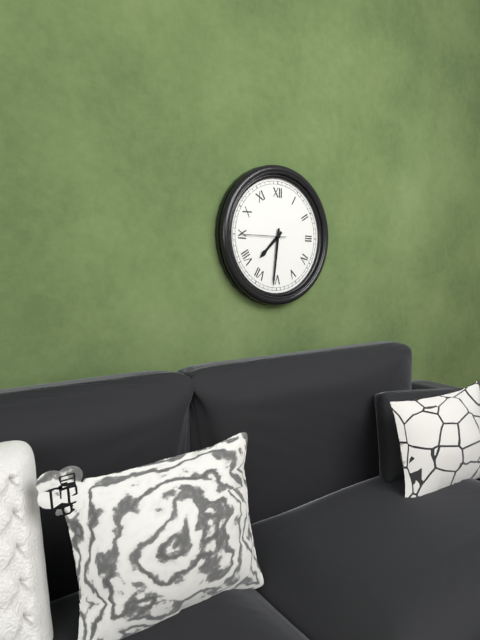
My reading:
**7:31**
